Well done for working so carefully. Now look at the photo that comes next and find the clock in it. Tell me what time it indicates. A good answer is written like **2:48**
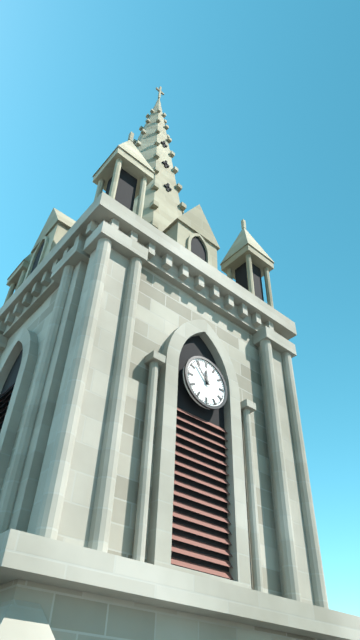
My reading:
**11:53**
